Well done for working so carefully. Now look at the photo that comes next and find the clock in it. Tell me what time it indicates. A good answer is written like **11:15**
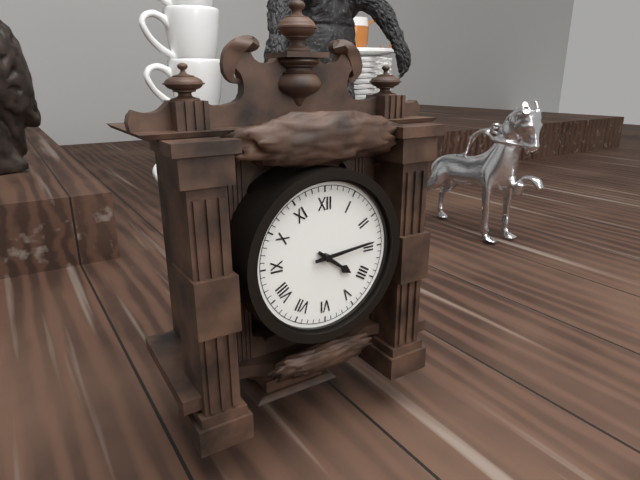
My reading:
**4:14**
